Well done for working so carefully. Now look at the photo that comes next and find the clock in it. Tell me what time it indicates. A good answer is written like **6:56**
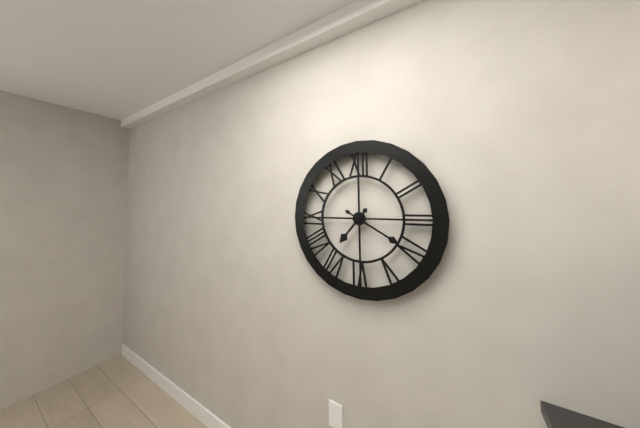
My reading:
**7:20**
